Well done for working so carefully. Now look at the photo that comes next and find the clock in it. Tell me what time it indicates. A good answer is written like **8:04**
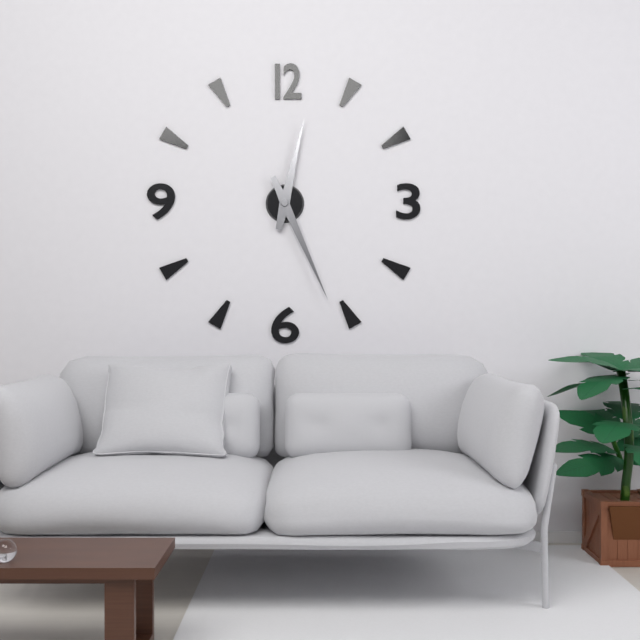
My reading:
**12:26**
